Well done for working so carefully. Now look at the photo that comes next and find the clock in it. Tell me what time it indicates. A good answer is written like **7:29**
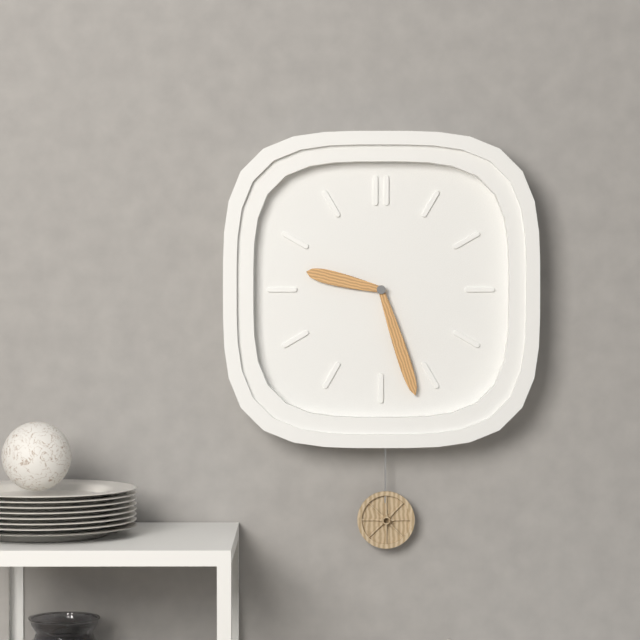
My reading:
**9:27**
